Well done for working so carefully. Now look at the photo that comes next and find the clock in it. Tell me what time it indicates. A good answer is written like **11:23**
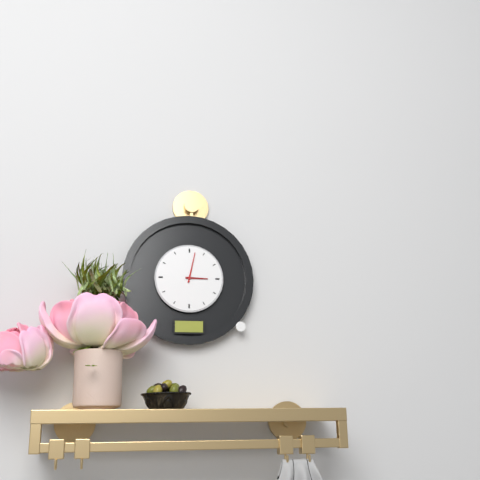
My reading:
**3:02**
